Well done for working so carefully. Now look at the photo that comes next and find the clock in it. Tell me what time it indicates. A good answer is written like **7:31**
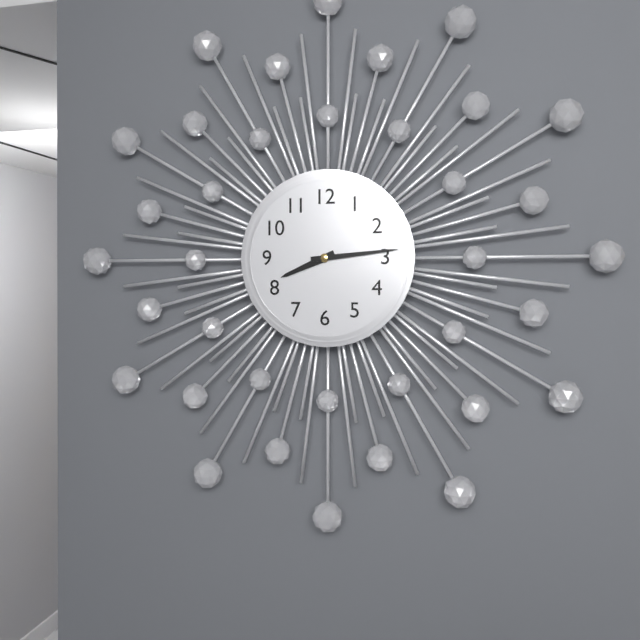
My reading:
**8:14**
